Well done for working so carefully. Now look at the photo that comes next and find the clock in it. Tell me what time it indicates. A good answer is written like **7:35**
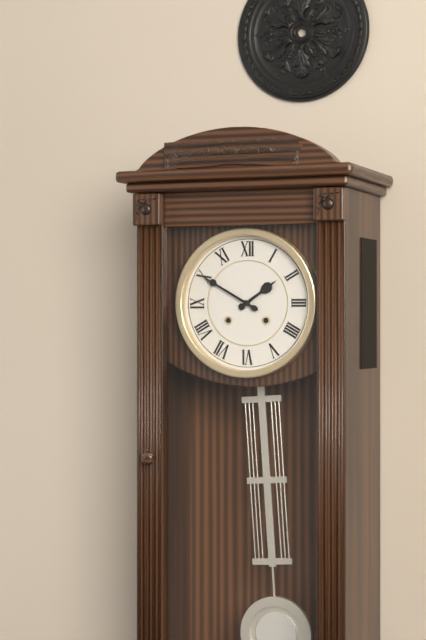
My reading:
**1:50**
